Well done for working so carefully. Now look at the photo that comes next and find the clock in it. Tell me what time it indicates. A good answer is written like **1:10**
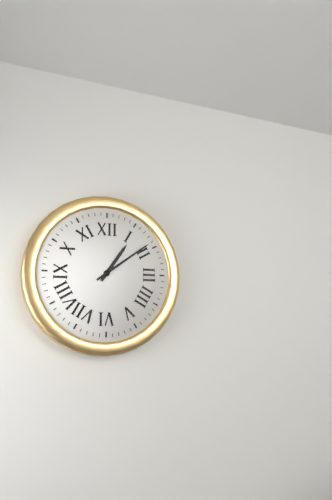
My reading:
**1:09**
